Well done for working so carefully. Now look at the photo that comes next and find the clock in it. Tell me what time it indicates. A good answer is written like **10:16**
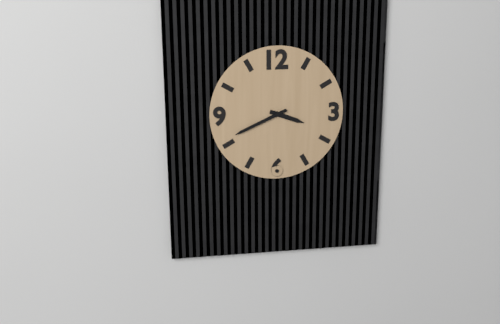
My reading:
**3:41**
